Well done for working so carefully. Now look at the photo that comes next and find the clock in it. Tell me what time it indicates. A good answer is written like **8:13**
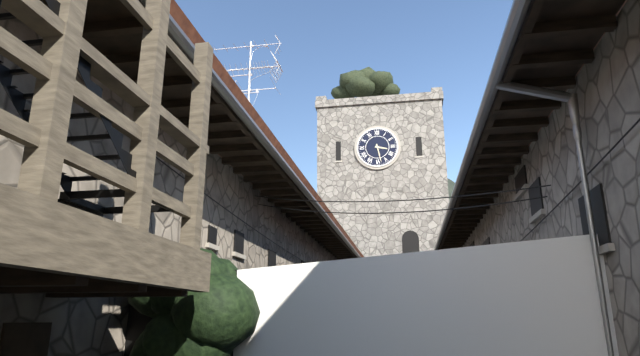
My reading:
**3:28**
